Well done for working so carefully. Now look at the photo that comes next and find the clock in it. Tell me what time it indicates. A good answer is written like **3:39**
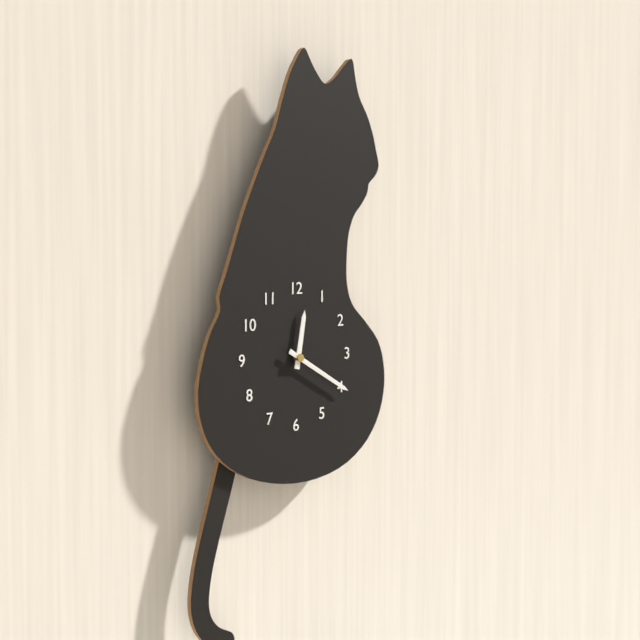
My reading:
**12:20**
